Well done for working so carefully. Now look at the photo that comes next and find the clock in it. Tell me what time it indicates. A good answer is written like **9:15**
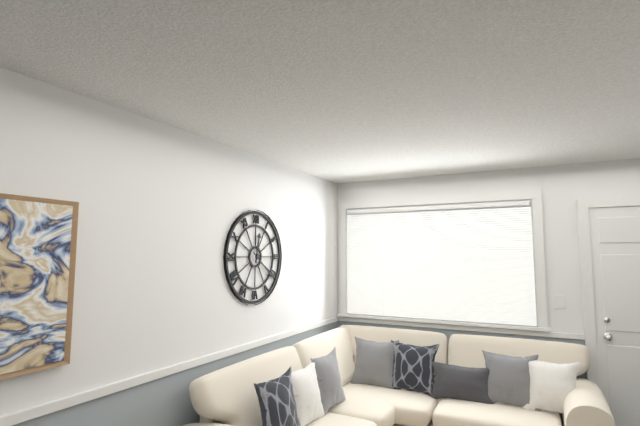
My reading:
**12:21**
